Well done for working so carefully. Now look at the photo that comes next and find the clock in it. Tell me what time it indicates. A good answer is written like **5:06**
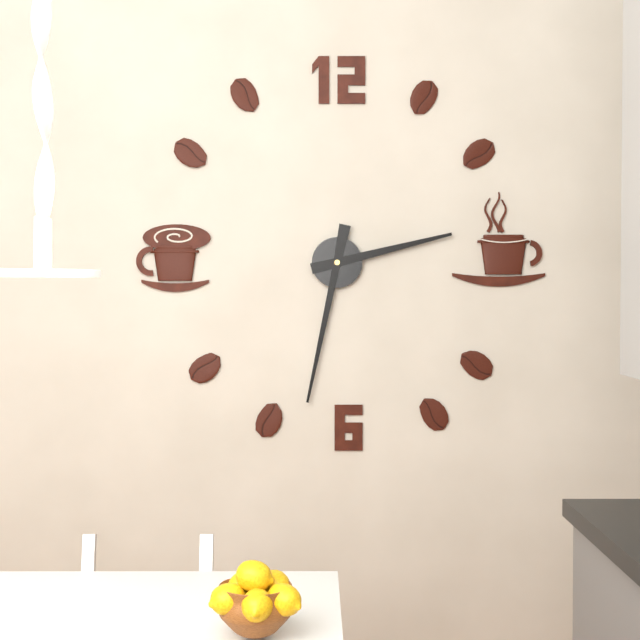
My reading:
**2:32**
